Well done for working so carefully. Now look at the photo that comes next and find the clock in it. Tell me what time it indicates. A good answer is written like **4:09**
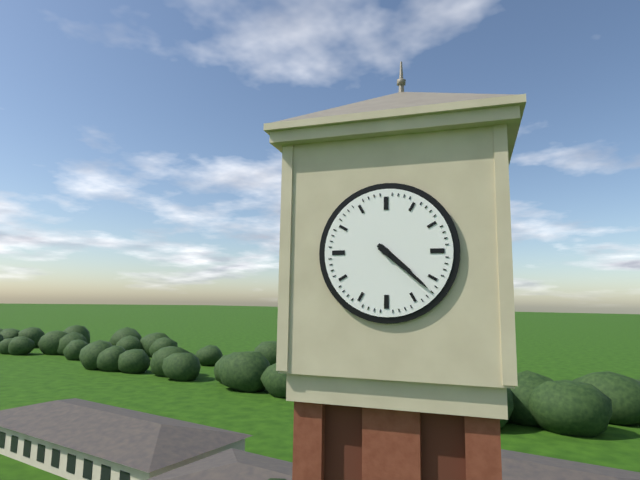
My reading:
**4:22**
